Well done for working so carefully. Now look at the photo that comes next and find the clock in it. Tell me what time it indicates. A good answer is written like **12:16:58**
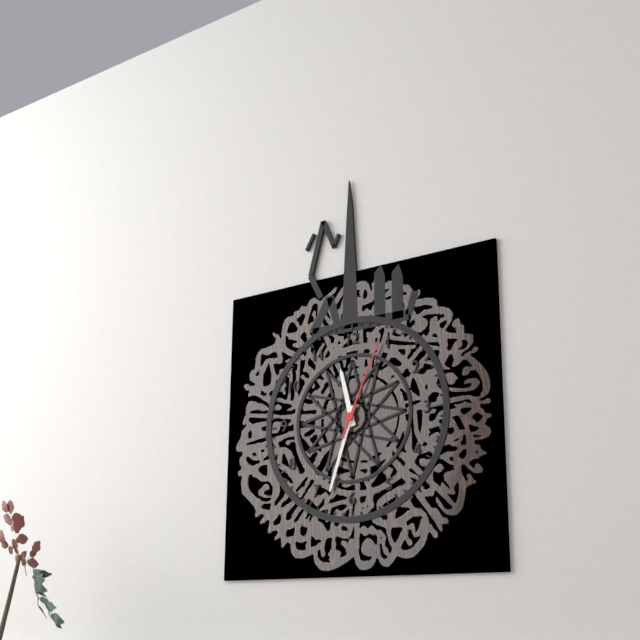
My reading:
**11:33:04**
